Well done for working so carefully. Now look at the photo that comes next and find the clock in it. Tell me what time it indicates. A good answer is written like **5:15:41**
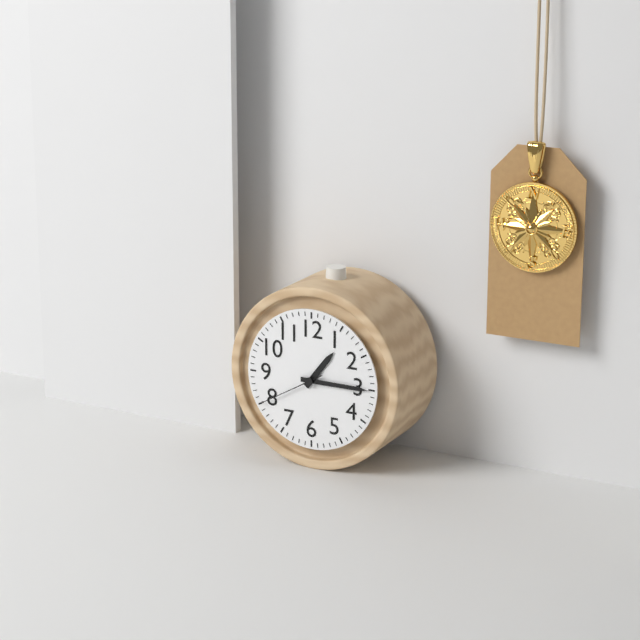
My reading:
**1:15:40**
